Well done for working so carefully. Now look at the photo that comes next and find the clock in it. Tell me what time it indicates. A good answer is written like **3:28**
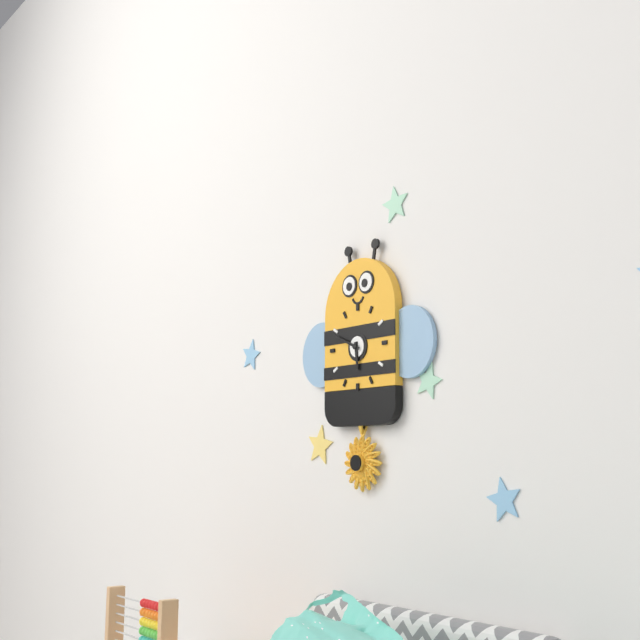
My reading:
**5:49**
